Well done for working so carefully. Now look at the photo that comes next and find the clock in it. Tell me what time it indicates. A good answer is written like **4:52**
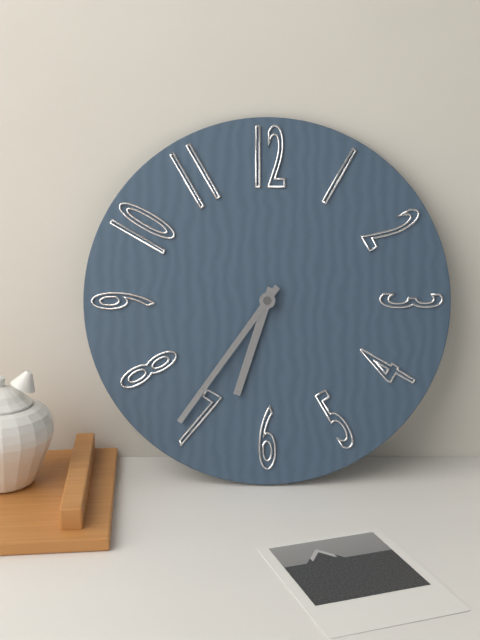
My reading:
**6:36**
